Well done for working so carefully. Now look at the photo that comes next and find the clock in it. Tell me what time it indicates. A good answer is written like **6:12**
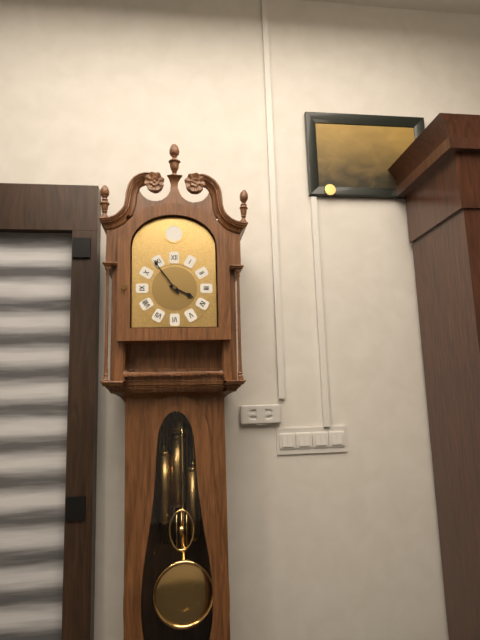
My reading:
**3:54**
